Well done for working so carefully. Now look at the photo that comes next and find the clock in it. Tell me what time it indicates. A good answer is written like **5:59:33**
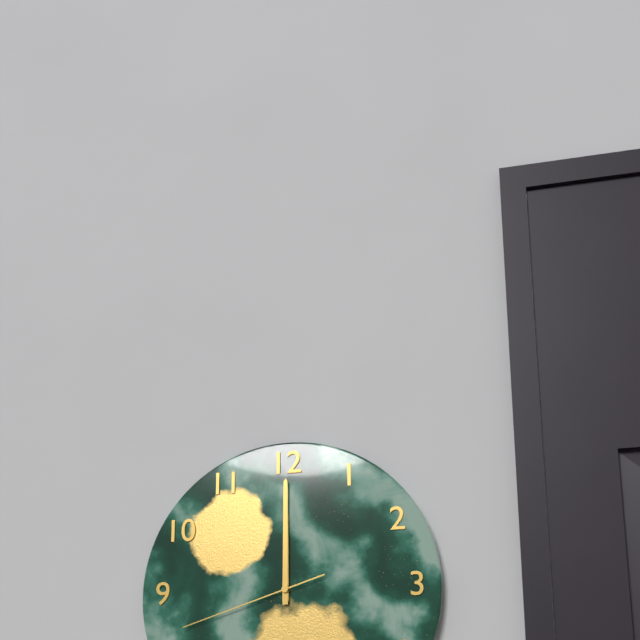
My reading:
**12:00:42**
